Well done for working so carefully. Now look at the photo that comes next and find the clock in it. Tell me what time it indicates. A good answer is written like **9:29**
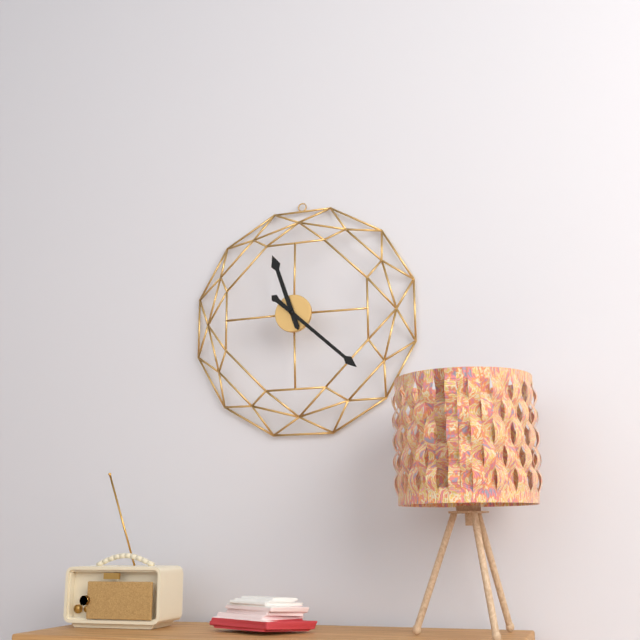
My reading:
**11:22**
